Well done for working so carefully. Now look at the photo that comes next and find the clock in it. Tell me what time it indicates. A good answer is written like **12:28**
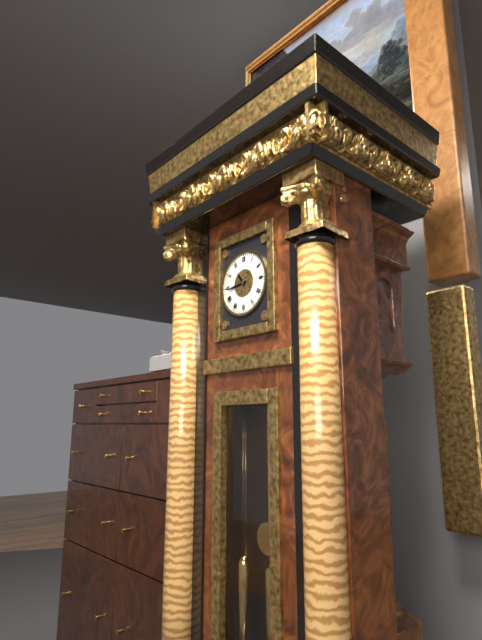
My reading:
**10:44**
